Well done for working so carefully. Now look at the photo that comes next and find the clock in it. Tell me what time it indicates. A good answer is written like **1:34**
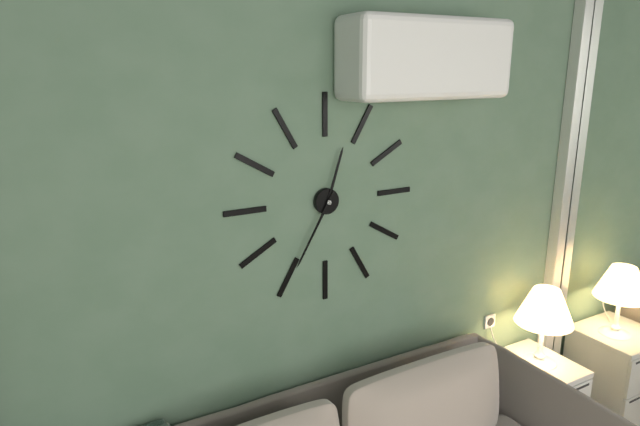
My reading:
**12:35**
